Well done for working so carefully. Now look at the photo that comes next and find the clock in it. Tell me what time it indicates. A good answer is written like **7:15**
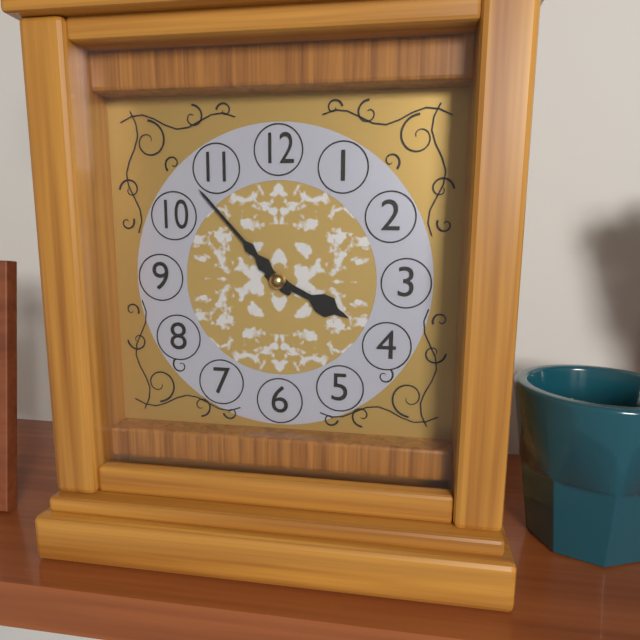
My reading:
**3:53**
